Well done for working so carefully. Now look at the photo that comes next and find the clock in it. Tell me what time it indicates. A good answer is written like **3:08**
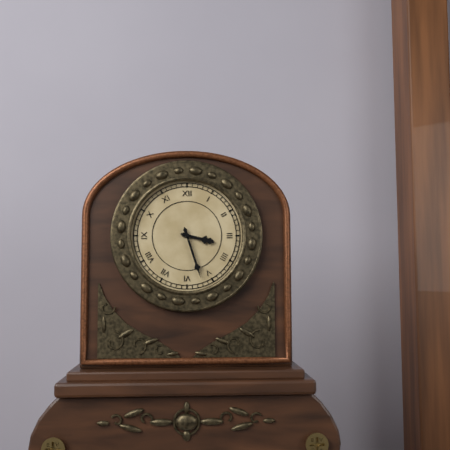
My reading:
**3:27**
